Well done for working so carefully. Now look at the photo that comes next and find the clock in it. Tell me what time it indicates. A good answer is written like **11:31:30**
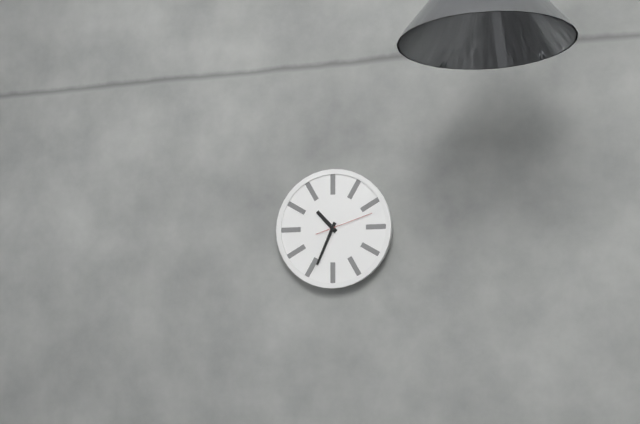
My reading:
**10:34:12**
